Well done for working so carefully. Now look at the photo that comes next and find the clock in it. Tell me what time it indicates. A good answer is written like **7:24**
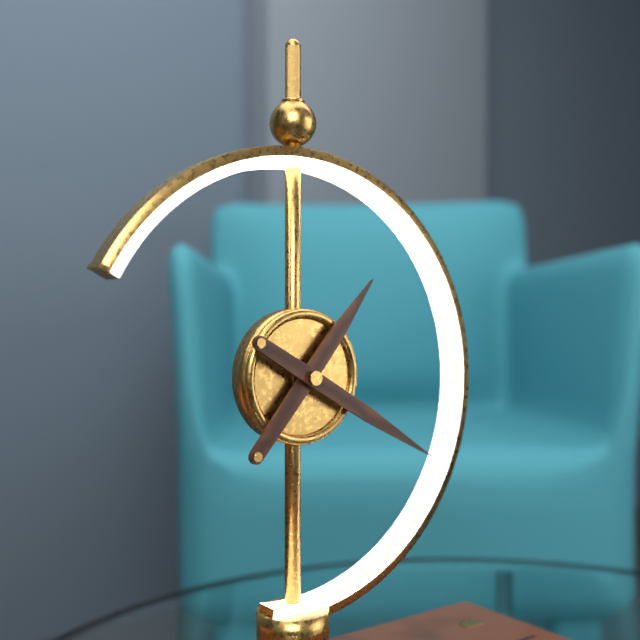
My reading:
**1:20**
